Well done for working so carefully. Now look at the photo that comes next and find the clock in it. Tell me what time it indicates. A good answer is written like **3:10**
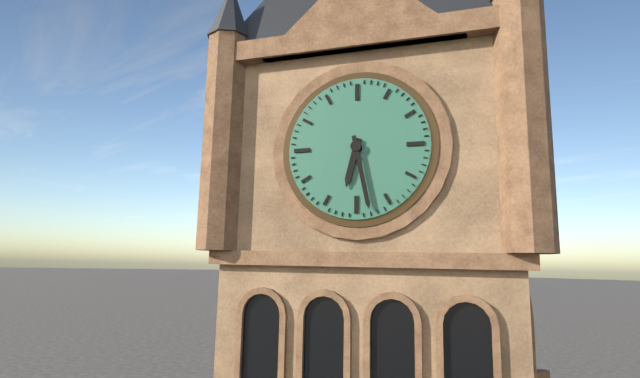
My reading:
**6:28**
